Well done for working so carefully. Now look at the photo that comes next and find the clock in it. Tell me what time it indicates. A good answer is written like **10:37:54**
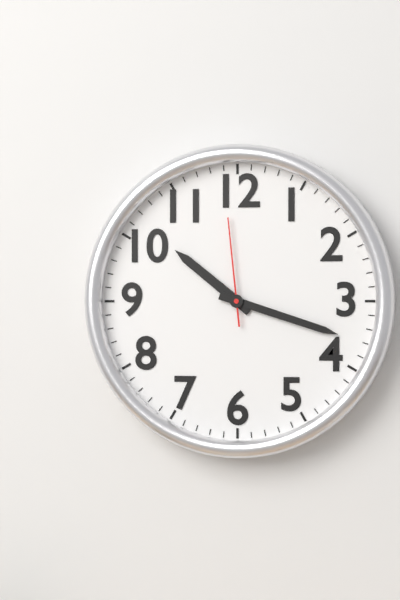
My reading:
**10:18:59**
